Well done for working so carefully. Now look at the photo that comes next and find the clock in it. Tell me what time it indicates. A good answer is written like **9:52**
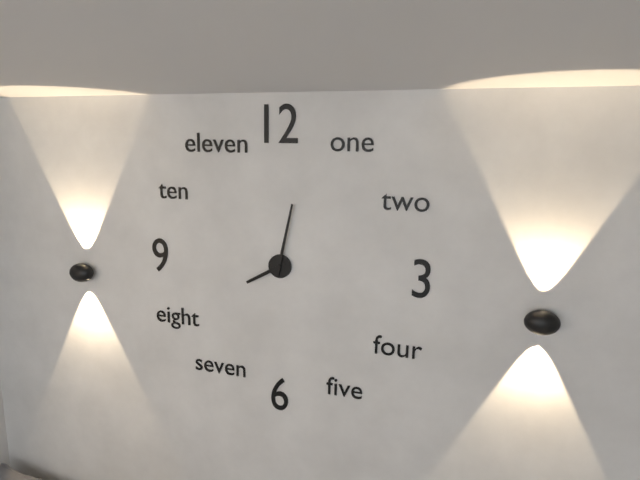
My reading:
**8:02**
